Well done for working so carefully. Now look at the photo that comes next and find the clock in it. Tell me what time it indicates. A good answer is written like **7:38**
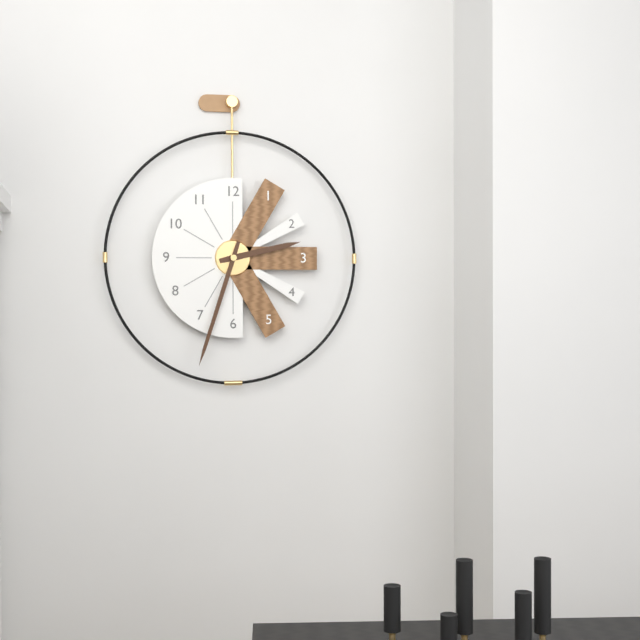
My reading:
**2:33**
